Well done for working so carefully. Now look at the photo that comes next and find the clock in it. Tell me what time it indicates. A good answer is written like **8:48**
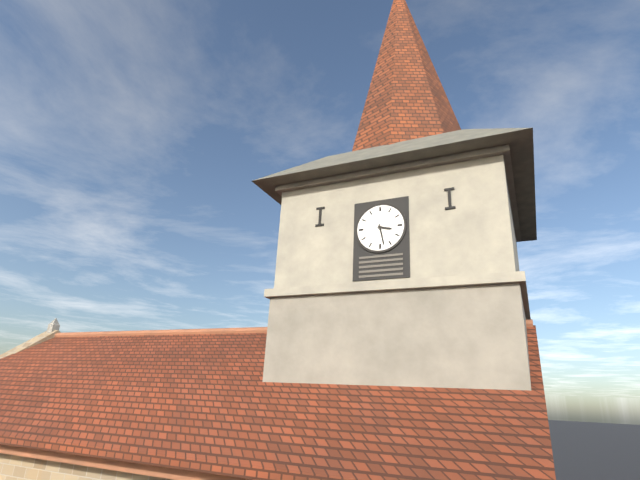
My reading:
**3:28**
